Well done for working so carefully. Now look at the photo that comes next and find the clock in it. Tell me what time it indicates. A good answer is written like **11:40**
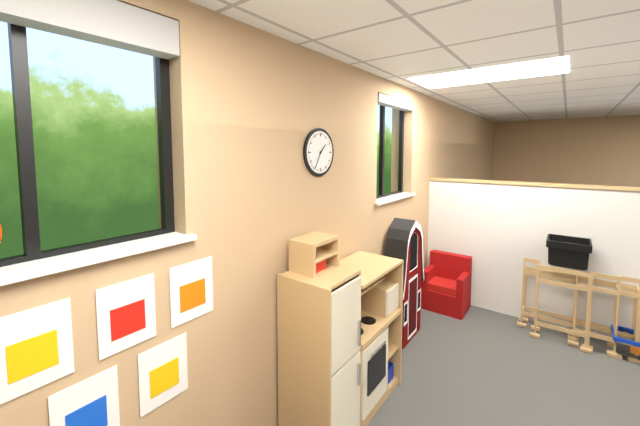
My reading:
**1:35**
